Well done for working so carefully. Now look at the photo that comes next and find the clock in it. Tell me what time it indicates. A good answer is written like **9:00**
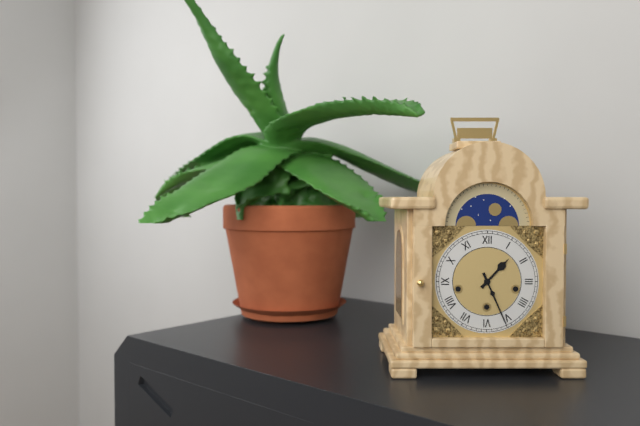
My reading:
**1:26**
